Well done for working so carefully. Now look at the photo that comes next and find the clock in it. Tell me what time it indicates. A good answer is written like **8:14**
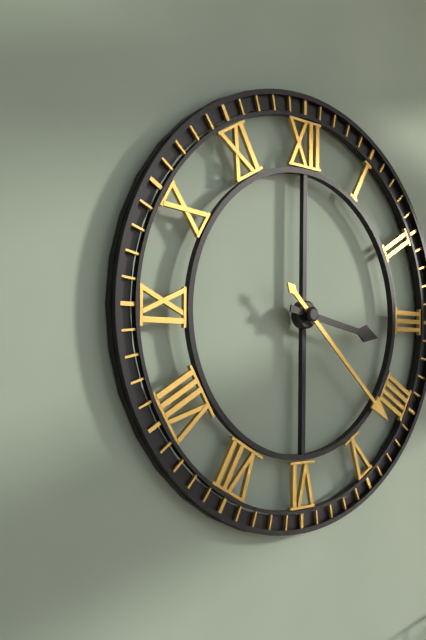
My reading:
**3:22**
